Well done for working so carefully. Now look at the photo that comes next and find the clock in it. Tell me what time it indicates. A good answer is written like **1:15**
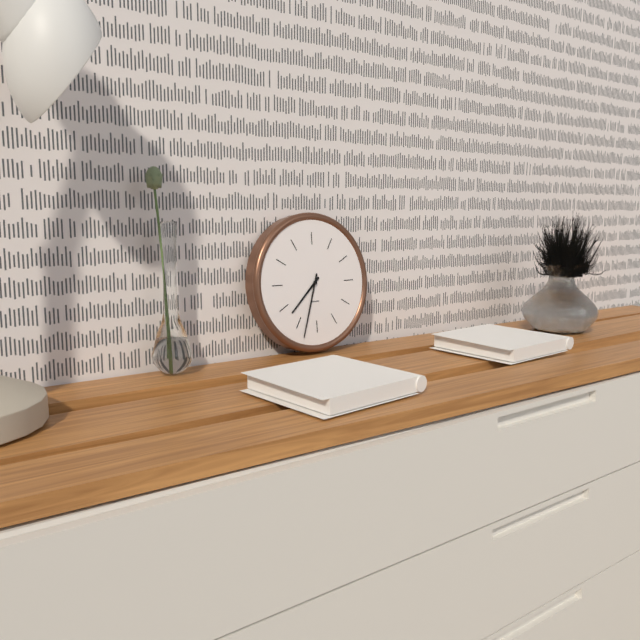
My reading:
**7:33**
